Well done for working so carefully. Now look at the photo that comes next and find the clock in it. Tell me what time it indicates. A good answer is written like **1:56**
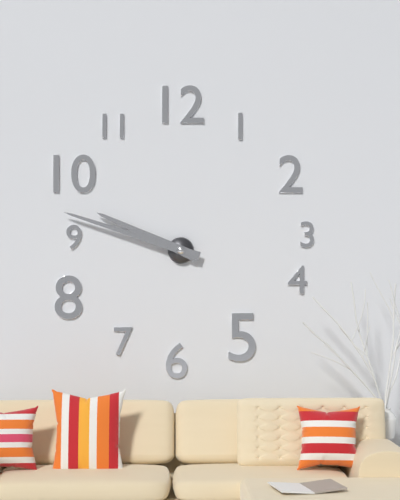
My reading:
**9:48**
